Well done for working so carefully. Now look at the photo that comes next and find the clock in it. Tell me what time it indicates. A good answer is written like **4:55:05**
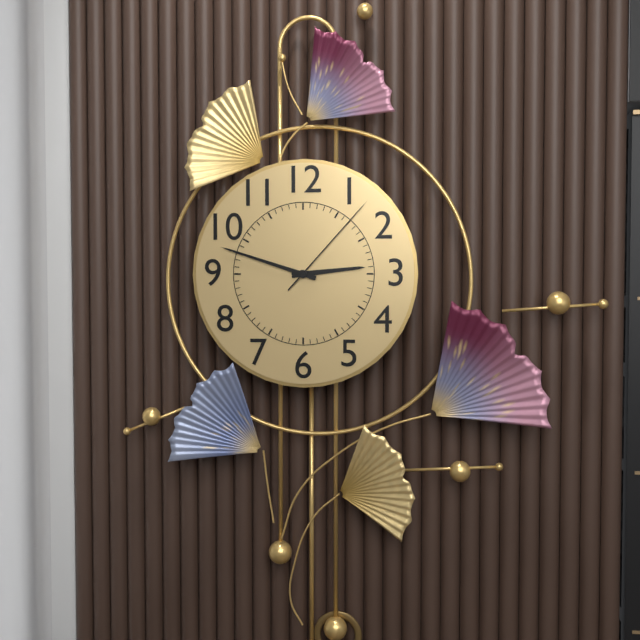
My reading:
**2:48:07**
